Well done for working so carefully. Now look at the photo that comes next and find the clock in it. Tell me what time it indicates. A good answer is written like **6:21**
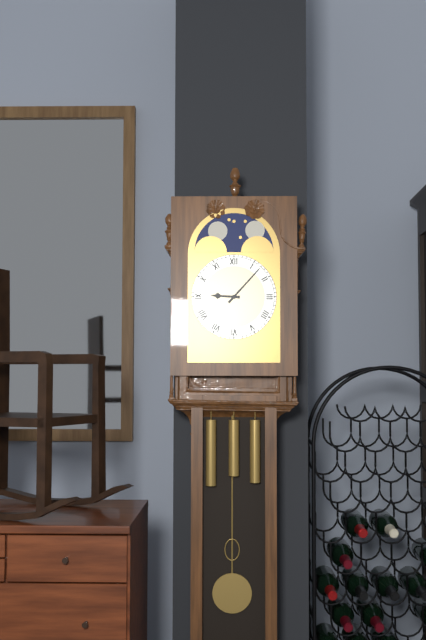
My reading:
**9:07**
